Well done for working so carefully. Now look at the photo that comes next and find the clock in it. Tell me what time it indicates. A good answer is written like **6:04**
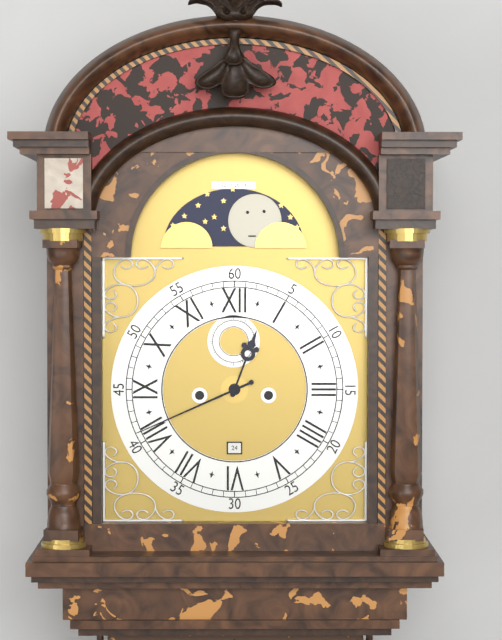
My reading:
**12:41**
